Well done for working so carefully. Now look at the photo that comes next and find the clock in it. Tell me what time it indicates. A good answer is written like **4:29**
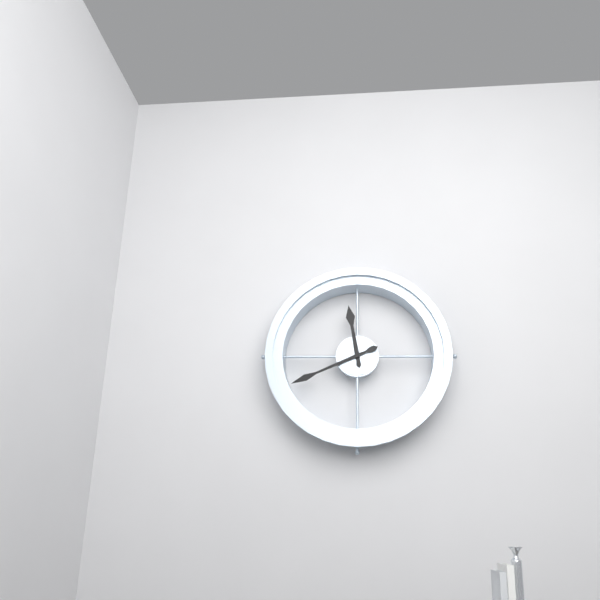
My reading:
**11:41**
